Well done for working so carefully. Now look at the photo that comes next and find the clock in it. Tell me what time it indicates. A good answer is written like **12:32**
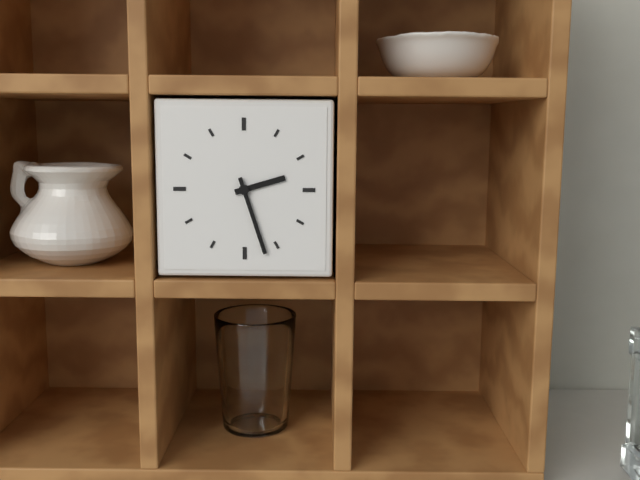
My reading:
**2:27**
